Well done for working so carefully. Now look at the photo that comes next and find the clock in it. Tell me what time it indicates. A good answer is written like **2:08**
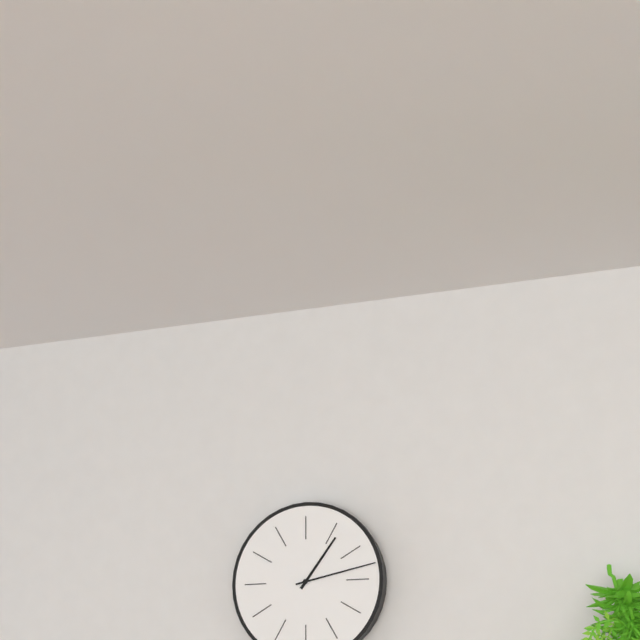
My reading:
**1:13**
